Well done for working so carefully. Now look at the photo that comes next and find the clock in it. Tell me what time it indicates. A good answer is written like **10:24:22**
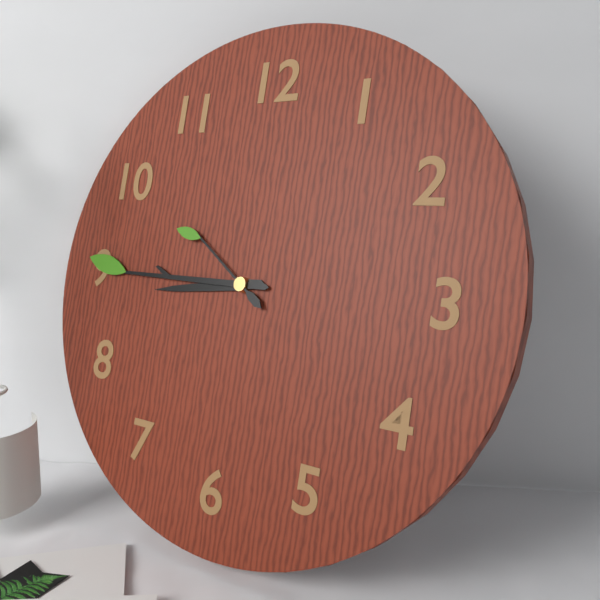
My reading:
**8:45:51**
